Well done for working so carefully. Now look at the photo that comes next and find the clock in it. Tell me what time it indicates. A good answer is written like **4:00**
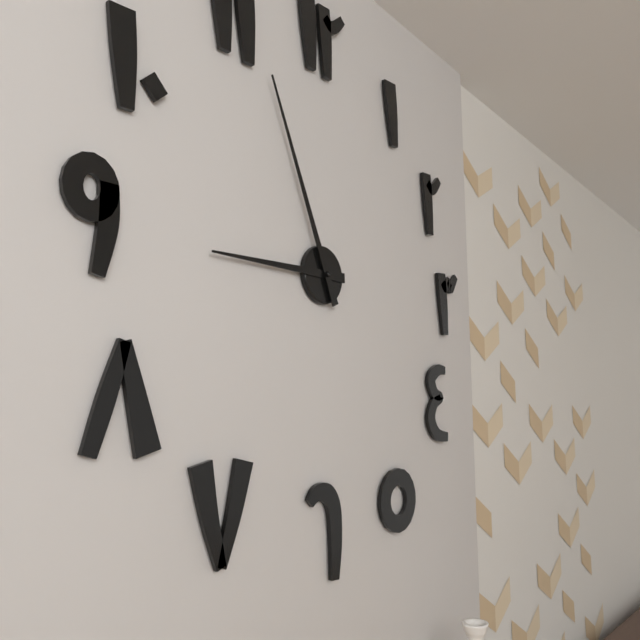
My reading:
**8:56**
